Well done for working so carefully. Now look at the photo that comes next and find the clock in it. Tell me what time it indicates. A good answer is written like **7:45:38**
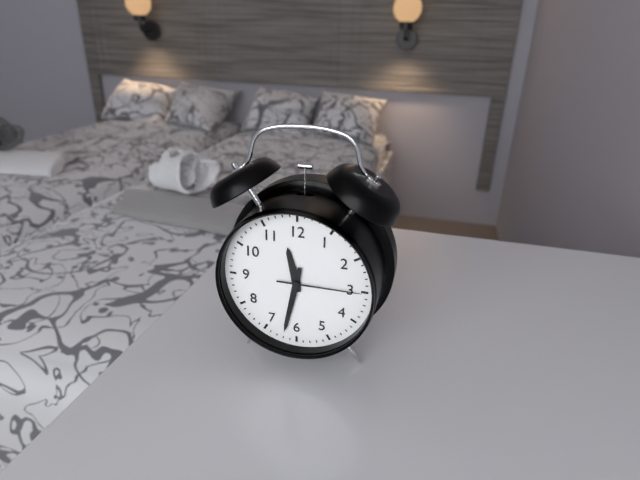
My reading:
**11:32:15**
